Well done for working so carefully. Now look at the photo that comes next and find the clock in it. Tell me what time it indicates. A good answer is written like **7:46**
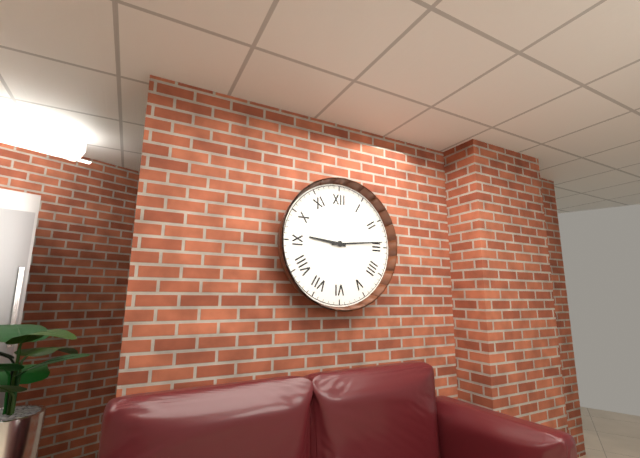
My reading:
**9:14**
